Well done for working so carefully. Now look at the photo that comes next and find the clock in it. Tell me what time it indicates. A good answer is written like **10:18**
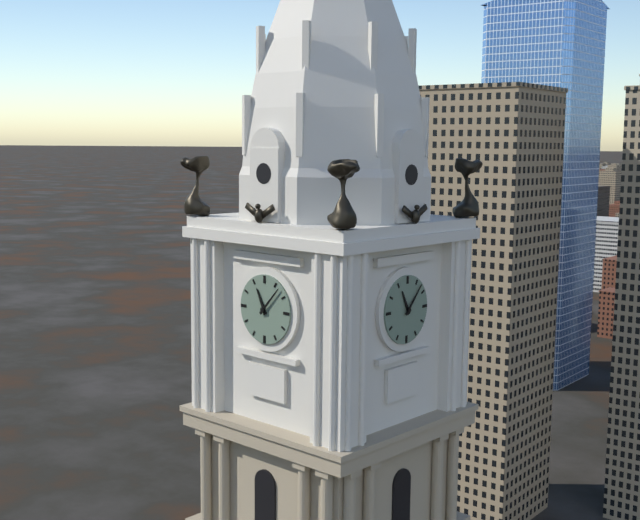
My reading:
**11:07**
